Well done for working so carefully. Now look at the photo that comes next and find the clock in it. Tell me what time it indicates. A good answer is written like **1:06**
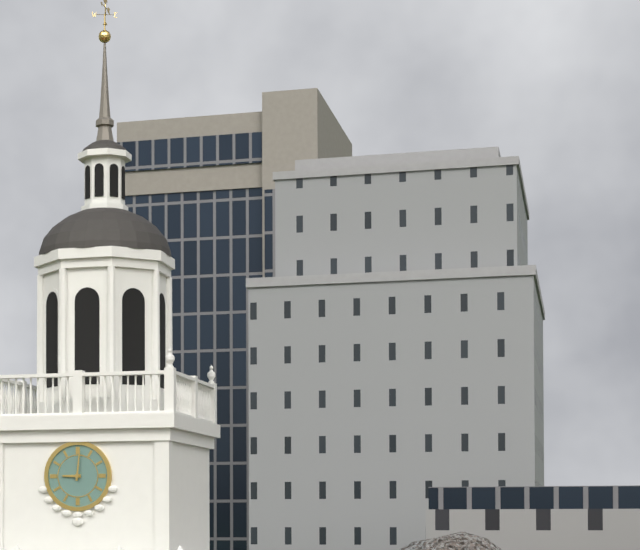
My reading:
**9:01**
